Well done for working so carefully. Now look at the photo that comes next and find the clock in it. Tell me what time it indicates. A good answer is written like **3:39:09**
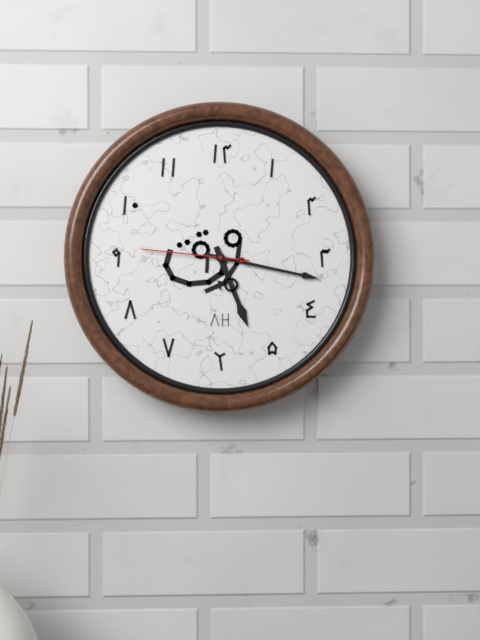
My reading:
**5:17:46**
